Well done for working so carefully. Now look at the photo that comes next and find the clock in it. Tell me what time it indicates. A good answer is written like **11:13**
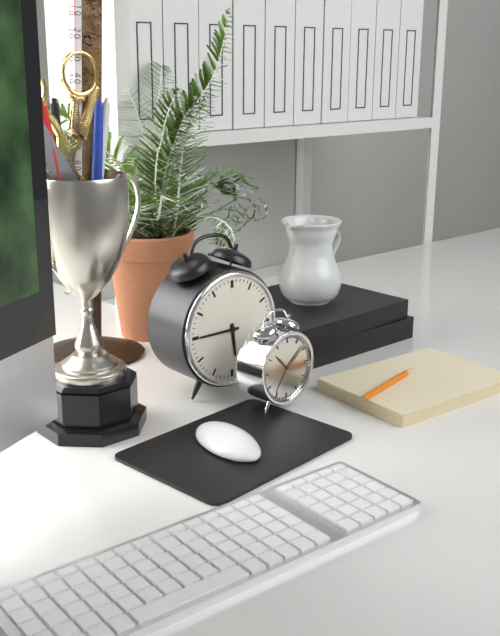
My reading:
**5:45**
